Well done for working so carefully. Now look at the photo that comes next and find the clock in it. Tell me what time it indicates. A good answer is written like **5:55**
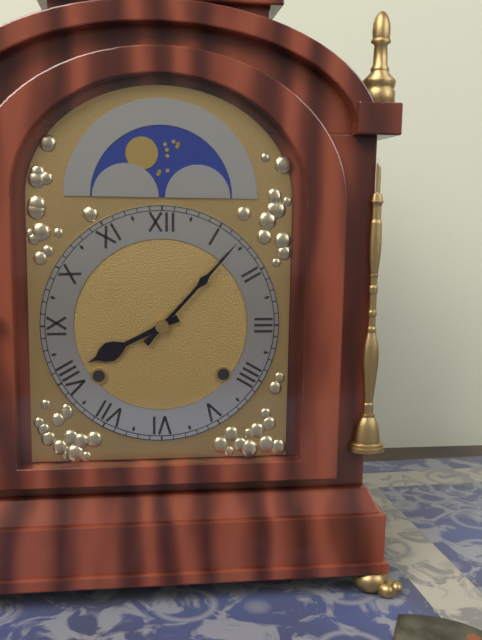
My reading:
**8:07**
